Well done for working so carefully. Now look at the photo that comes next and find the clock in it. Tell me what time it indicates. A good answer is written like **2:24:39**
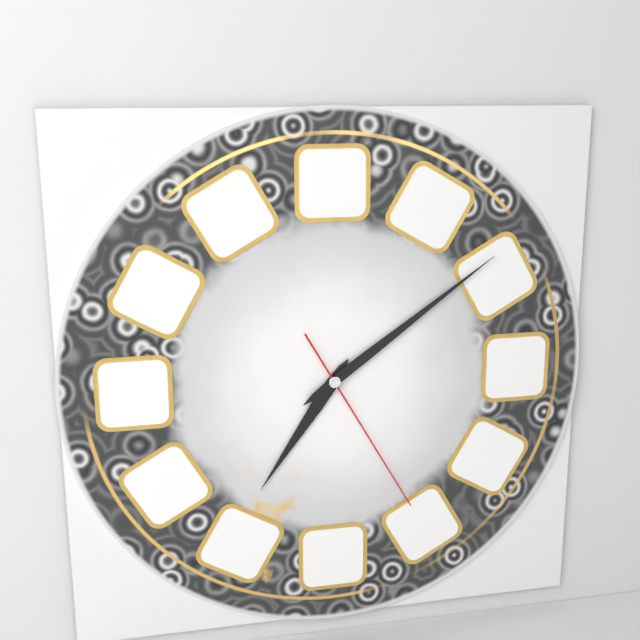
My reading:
**7:09:25**
